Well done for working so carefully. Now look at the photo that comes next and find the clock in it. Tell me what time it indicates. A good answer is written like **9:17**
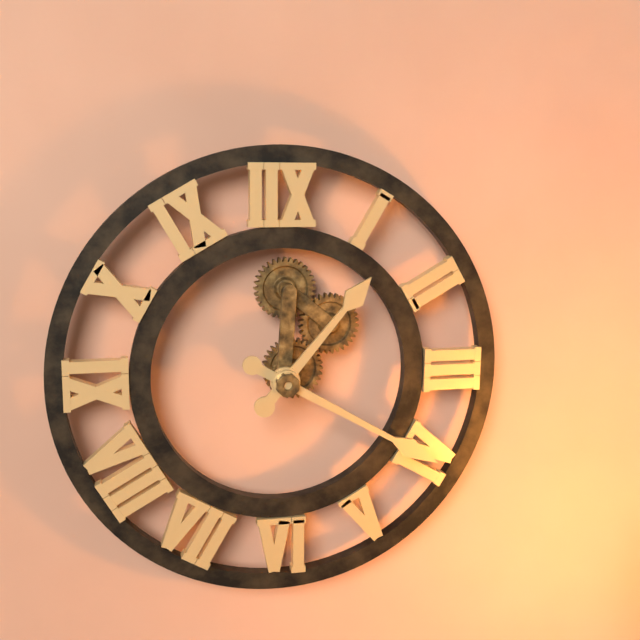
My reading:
**1:20**
